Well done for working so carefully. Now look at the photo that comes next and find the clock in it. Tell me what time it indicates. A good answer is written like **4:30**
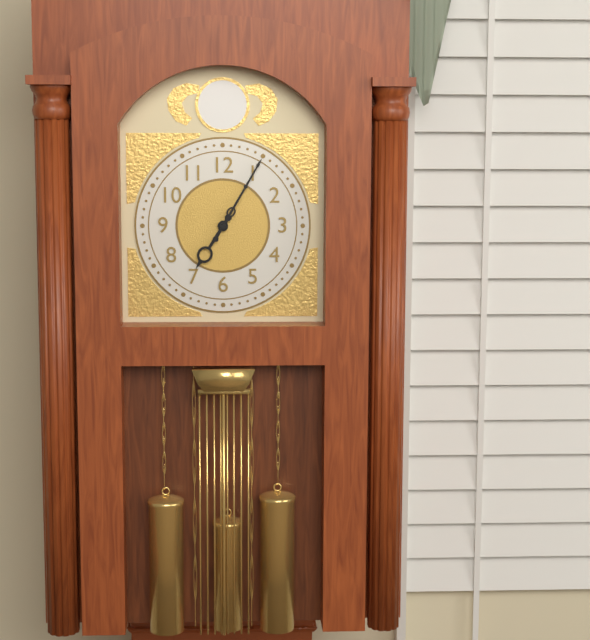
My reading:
**7:05**
